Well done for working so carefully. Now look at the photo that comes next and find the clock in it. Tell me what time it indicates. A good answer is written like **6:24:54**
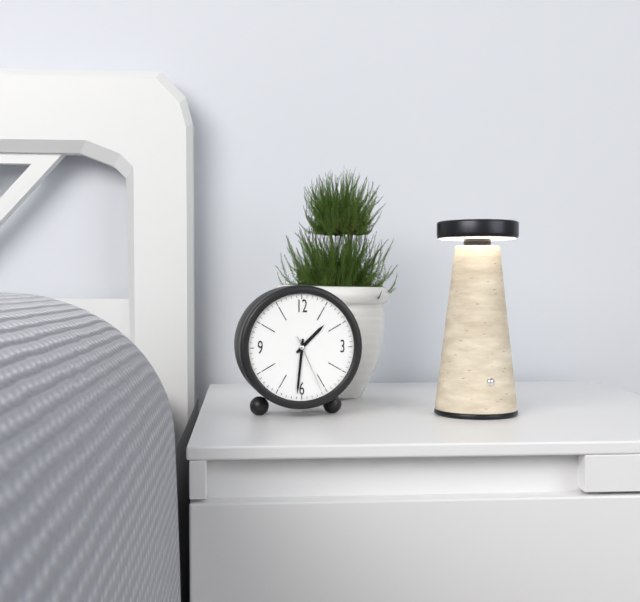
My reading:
**1:31:26**
